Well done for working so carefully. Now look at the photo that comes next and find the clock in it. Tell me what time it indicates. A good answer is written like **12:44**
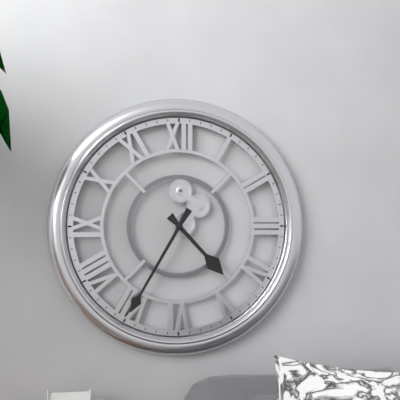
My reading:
**4:35**
